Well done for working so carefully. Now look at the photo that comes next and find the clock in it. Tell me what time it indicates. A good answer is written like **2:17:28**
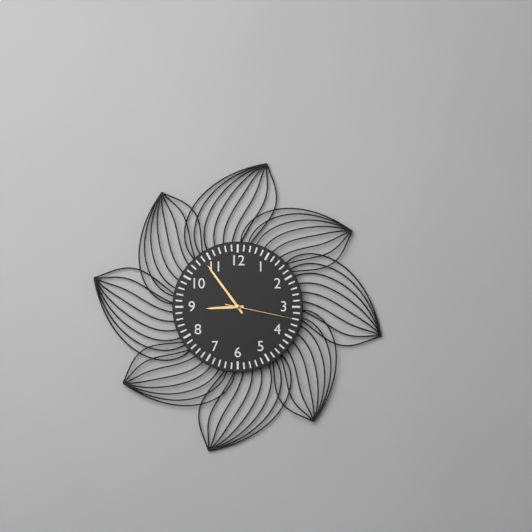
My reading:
**8:54:17**
